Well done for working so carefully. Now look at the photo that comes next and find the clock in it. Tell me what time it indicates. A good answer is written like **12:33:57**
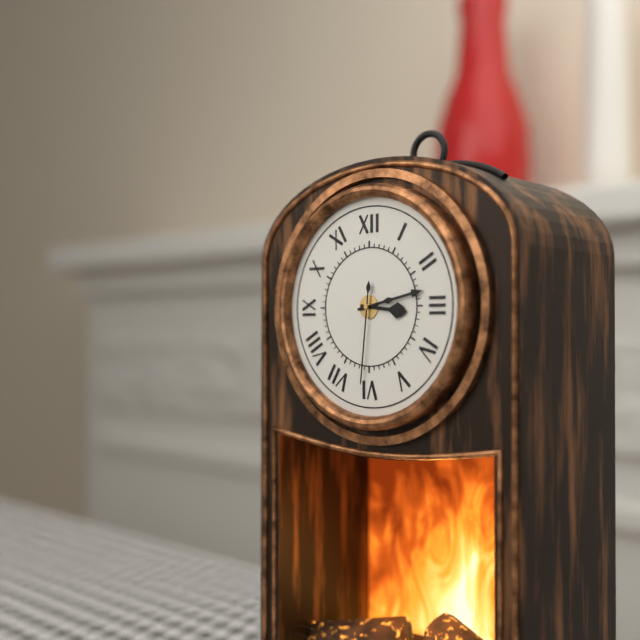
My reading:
**3:13:31**
